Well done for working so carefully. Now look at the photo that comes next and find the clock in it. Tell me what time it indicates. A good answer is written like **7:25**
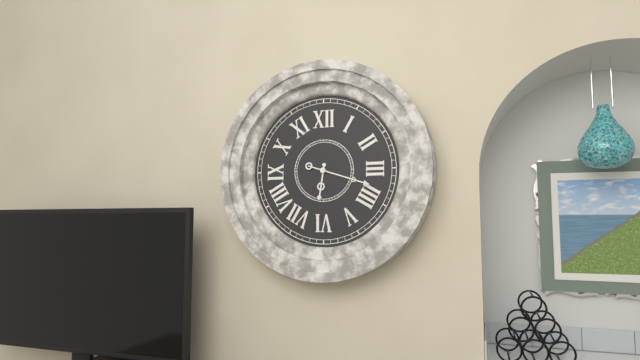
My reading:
**6:18**
